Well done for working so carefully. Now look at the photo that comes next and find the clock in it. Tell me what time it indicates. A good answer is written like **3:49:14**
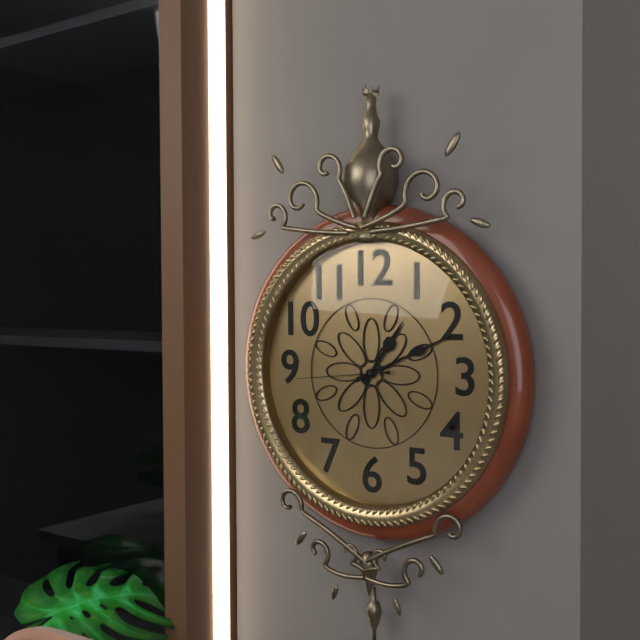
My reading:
**1:11:44**
